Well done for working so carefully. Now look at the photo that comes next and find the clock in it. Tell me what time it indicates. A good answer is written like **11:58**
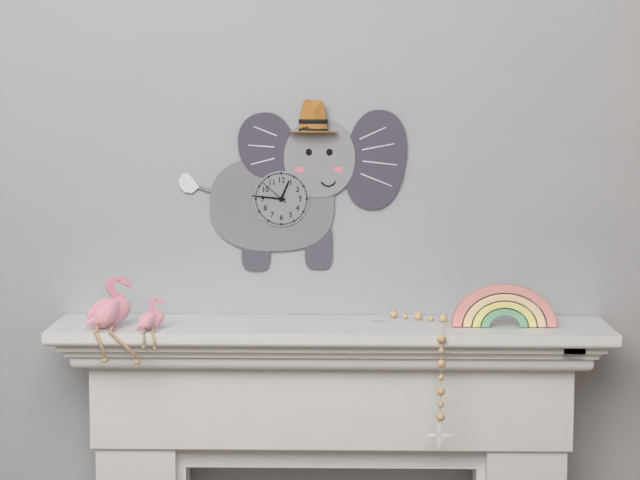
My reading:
**12:46**
